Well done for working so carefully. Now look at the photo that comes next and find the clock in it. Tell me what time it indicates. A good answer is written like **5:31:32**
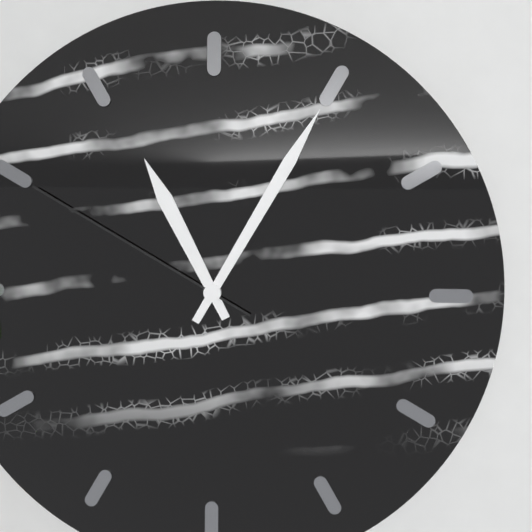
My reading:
**11:05:50**
